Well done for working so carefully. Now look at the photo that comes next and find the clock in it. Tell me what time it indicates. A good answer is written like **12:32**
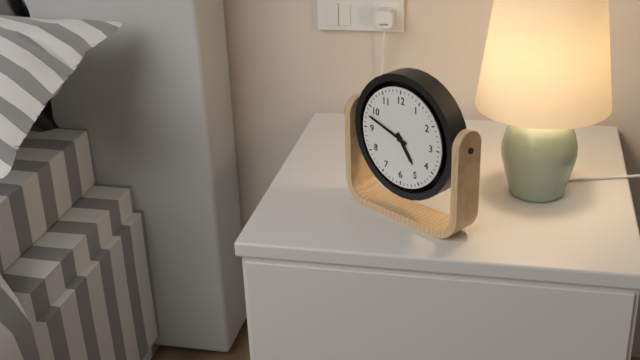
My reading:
**4:48**
